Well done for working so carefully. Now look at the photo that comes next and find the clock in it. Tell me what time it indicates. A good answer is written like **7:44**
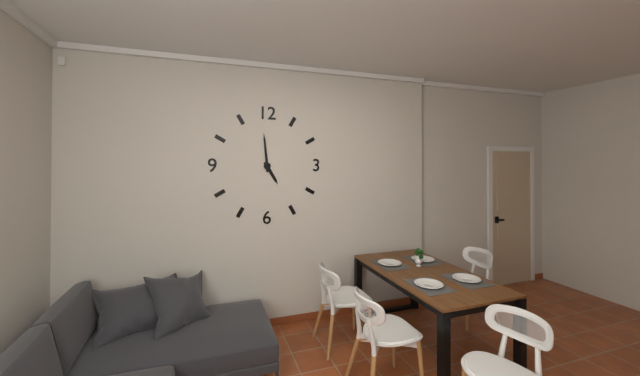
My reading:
**4:59**
